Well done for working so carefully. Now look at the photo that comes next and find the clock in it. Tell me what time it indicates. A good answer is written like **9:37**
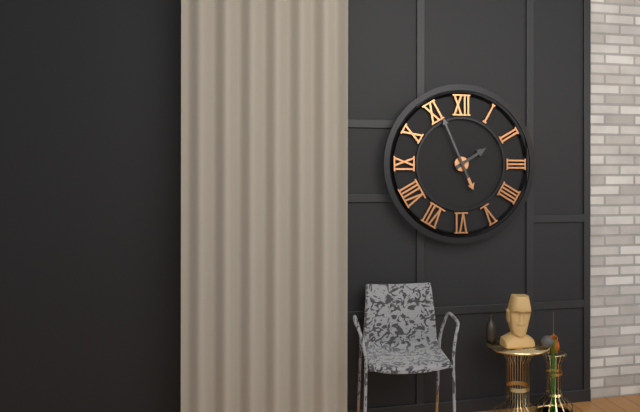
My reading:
**1:56**
